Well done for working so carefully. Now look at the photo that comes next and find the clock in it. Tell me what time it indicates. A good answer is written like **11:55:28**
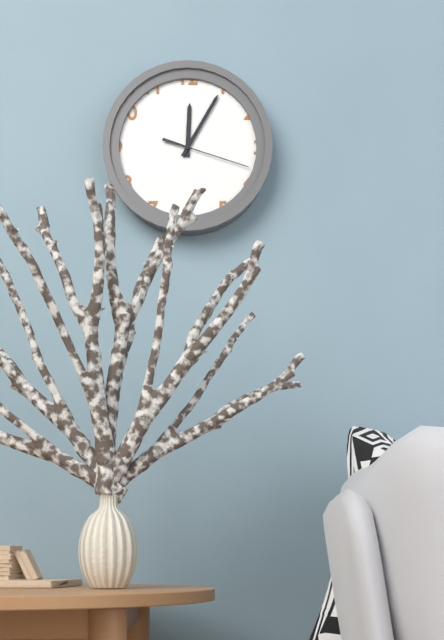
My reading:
**12:05:18**
